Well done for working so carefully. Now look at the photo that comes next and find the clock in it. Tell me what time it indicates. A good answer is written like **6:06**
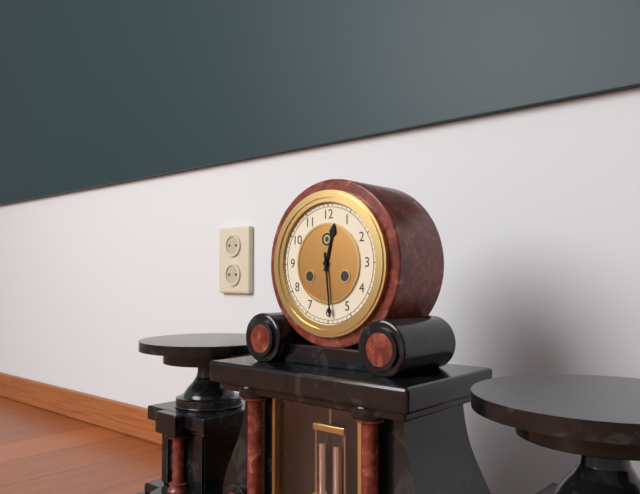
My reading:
**12:29**
